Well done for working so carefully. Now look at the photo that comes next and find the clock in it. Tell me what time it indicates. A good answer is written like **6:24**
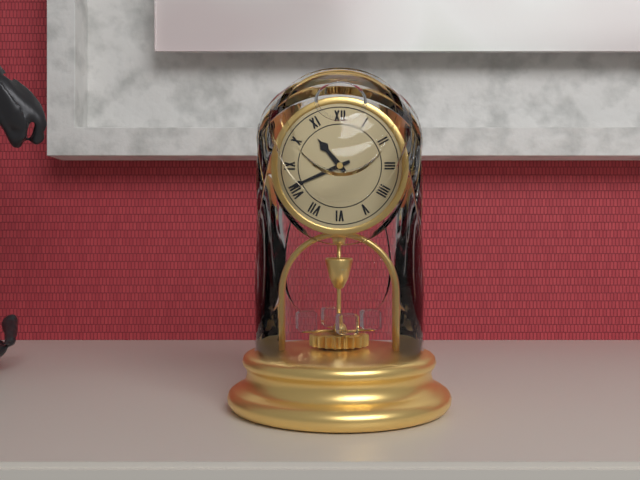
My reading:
**10:41**
